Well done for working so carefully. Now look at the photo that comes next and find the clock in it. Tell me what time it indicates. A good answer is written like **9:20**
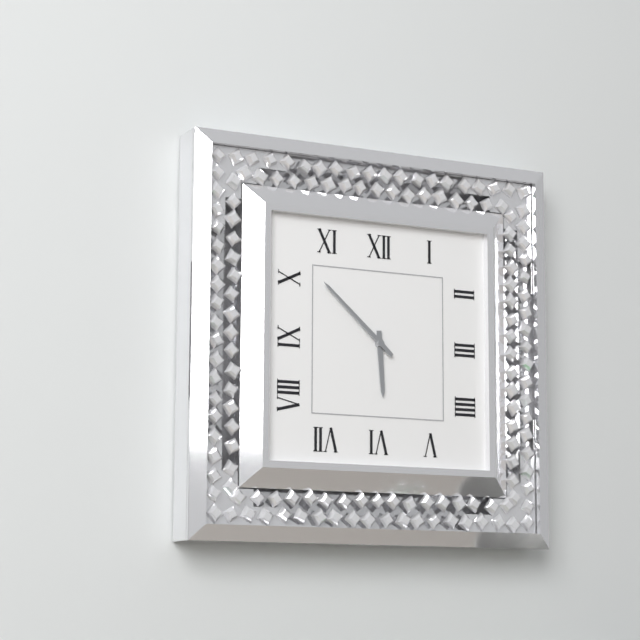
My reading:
**5:52**
